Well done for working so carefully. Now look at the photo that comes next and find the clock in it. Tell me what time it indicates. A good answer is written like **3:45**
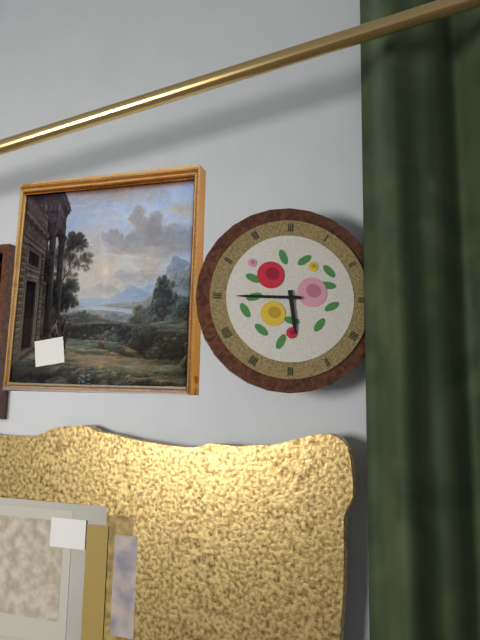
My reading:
**5:45**
